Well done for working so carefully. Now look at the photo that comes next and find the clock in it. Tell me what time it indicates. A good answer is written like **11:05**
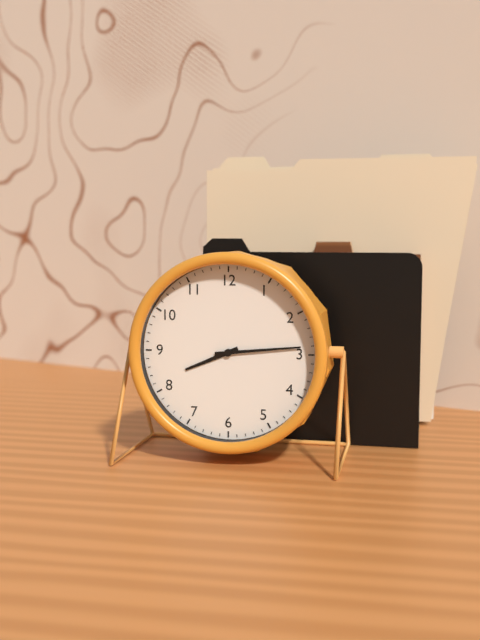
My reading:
**8:14**
